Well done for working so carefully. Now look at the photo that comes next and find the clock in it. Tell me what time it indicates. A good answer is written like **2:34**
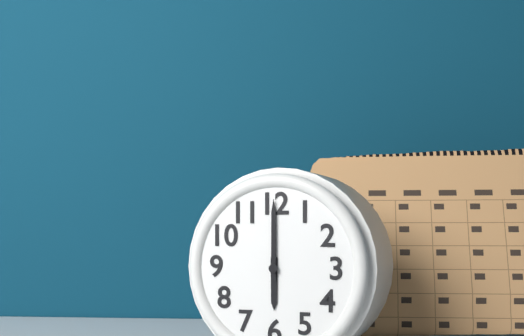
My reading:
**6:00**
